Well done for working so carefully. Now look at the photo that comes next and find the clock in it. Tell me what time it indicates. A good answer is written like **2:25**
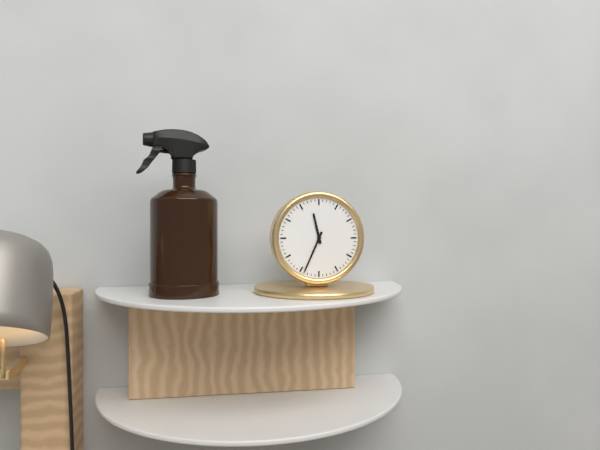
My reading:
**11:34**
